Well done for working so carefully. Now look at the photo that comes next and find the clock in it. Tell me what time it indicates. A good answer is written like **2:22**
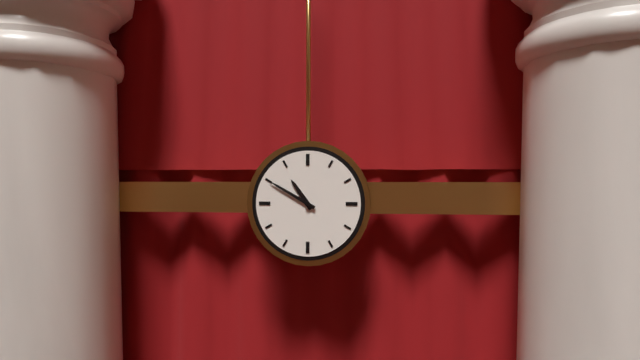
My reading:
**10:50**
